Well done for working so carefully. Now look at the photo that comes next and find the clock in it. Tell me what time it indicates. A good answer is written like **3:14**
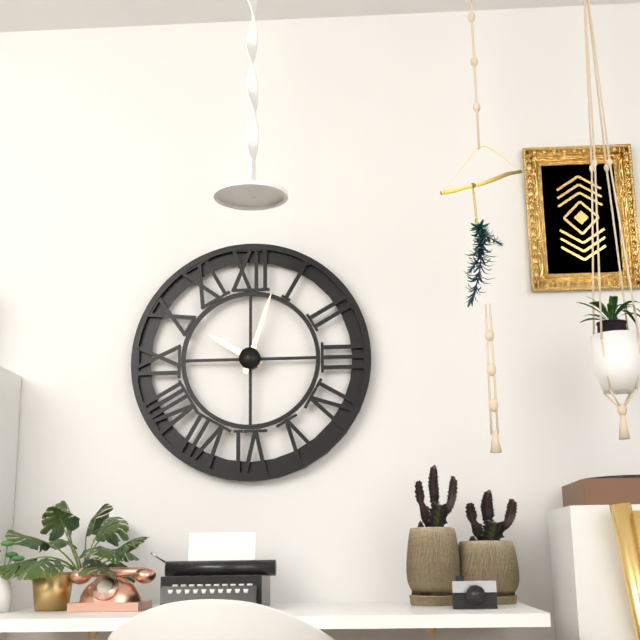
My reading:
**10:03**
